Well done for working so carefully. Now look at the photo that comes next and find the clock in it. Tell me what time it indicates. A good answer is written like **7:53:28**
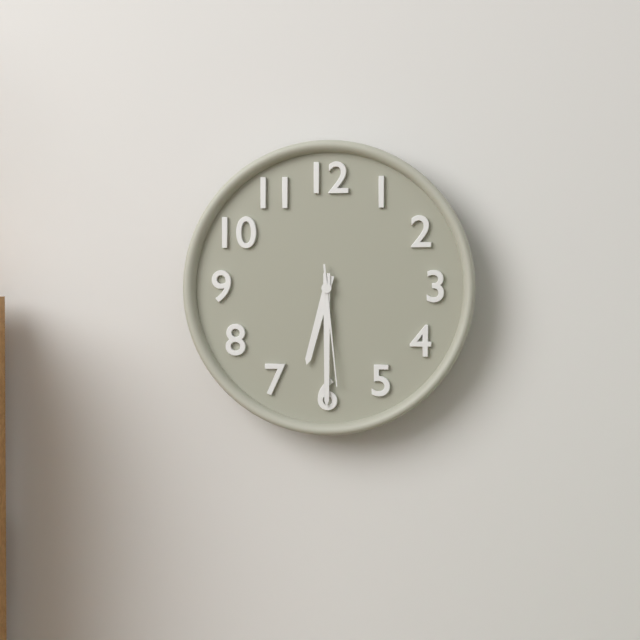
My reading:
**6:30:29**
